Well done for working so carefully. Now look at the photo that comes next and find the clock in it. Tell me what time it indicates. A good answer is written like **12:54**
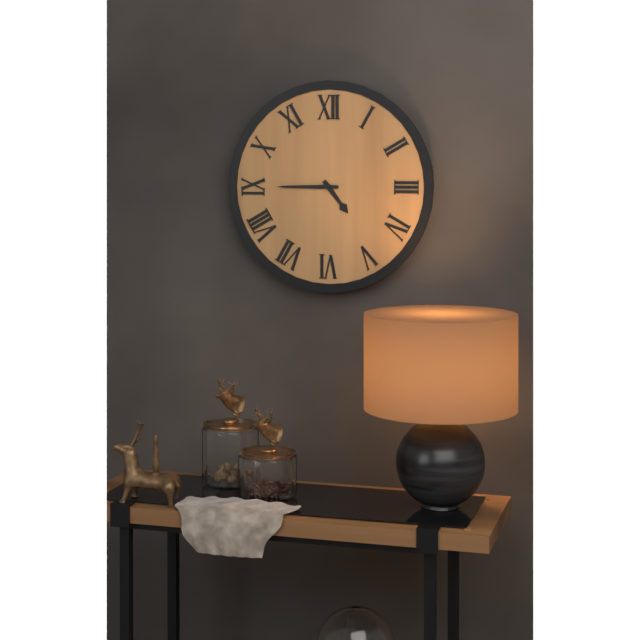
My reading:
**4:45**
